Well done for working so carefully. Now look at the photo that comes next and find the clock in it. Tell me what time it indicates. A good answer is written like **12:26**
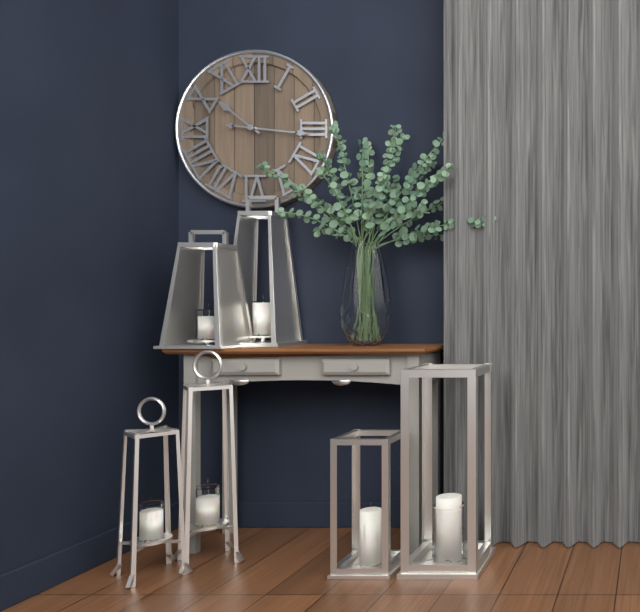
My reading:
**10:16**
